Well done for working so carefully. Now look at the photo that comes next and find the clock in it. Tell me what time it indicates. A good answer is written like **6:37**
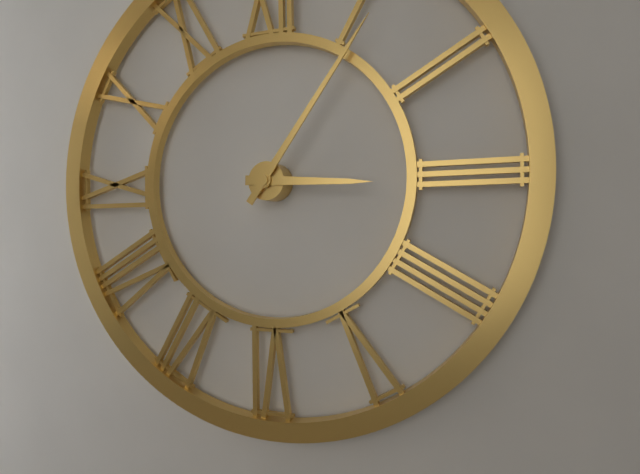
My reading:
**3:06**
